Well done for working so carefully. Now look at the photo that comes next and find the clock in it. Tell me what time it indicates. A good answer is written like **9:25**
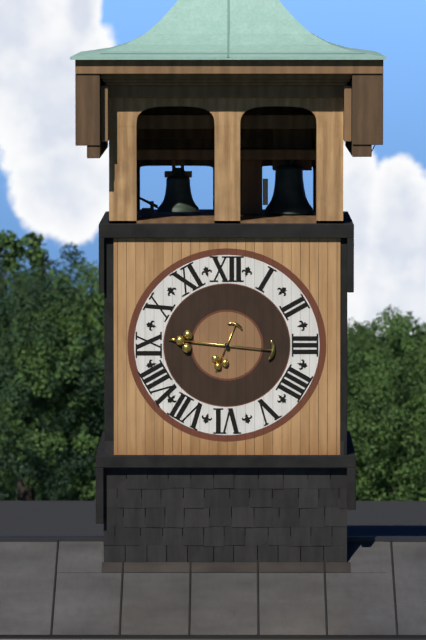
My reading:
**6:46**
